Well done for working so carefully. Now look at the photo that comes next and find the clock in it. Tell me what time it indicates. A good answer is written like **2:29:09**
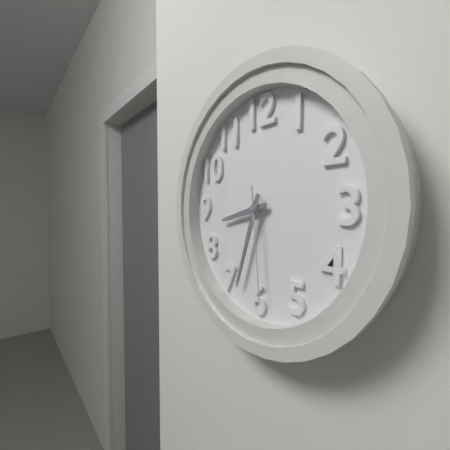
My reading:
**8:33:29**
